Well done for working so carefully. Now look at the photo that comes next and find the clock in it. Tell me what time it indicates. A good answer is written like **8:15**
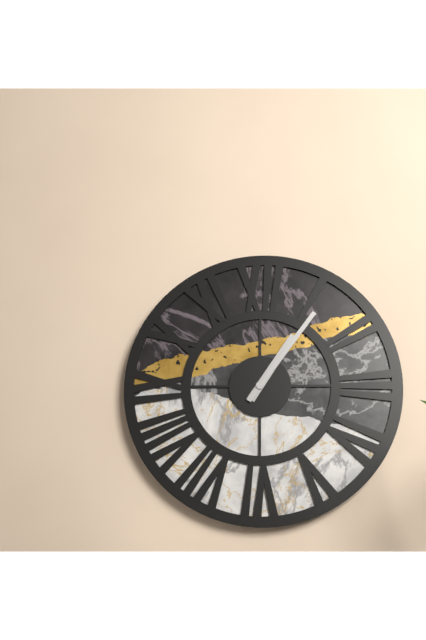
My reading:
**1:06**
